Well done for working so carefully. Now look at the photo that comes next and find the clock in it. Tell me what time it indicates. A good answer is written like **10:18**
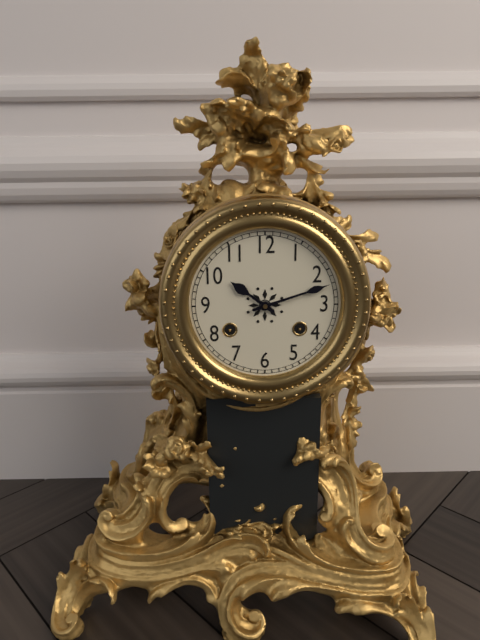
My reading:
**10:12**
